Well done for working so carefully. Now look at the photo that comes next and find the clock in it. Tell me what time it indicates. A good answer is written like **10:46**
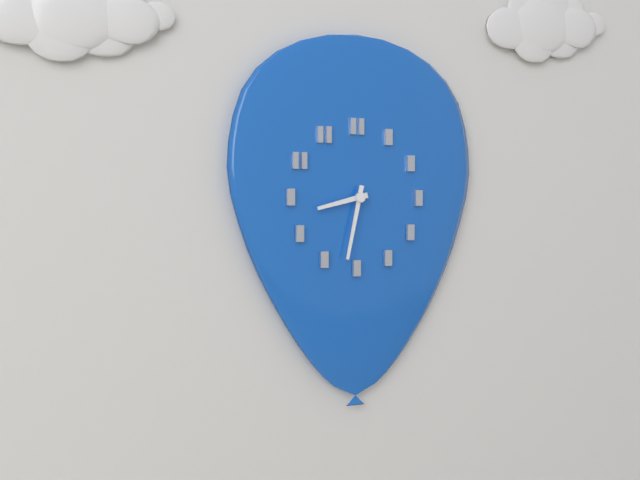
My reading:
**8:32**
